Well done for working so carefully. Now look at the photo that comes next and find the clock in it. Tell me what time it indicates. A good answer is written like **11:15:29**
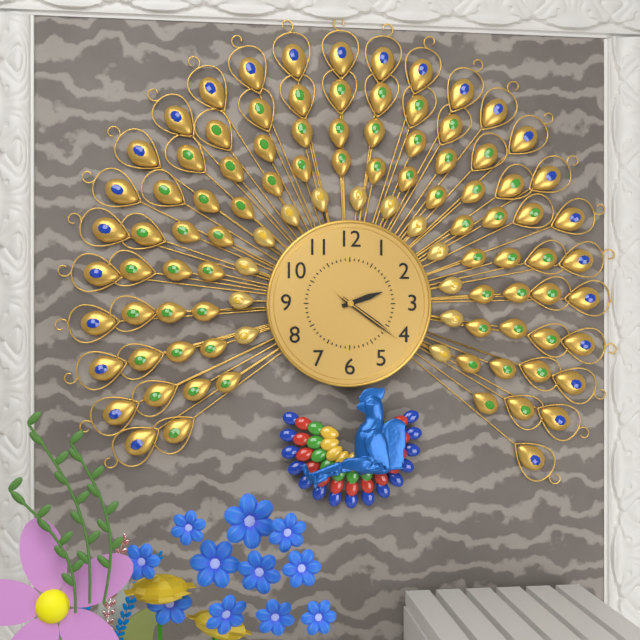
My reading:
**2:21:21**
